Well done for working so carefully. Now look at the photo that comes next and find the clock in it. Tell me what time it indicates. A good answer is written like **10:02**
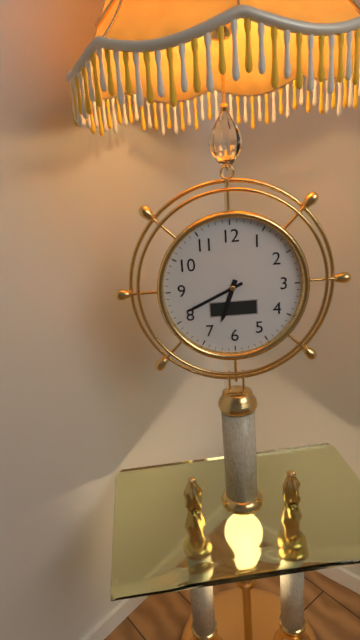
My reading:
**6:41**
